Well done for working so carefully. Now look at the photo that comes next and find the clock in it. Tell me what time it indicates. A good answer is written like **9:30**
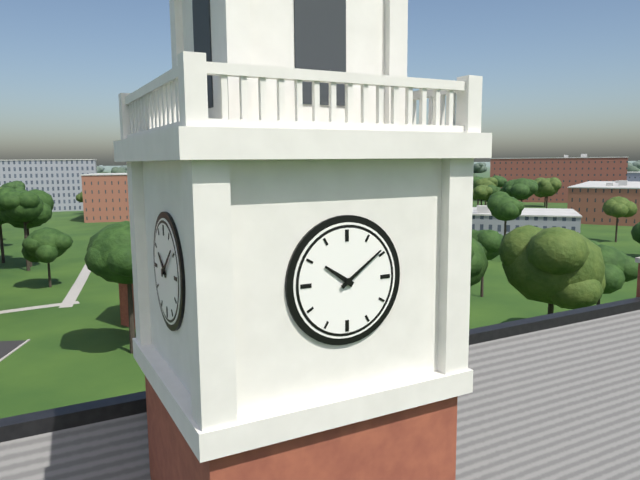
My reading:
**10:09**
